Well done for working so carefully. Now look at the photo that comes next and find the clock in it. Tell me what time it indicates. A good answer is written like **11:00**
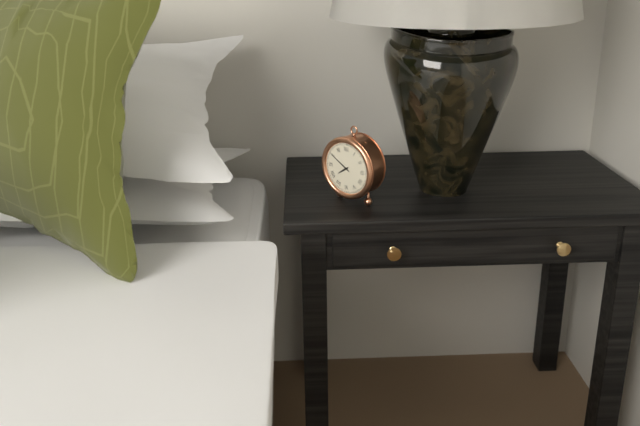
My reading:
**7:50**
